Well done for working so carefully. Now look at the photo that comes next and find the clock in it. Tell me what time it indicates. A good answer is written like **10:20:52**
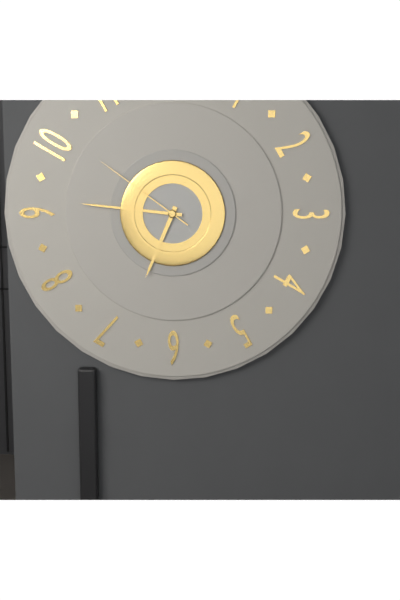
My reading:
**6:46:51**
